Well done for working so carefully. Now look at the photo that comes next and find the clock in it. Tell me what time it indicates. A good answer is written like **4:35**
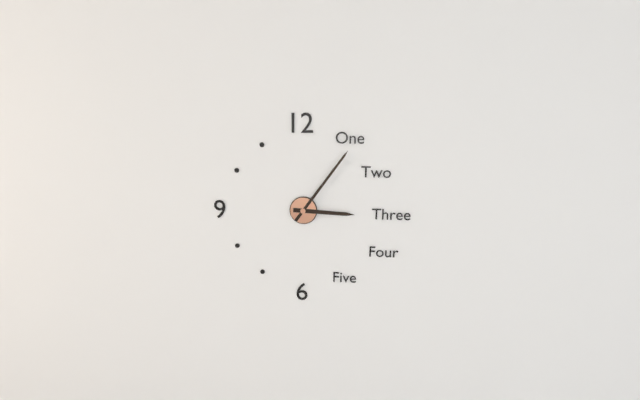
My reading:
**3:06**
